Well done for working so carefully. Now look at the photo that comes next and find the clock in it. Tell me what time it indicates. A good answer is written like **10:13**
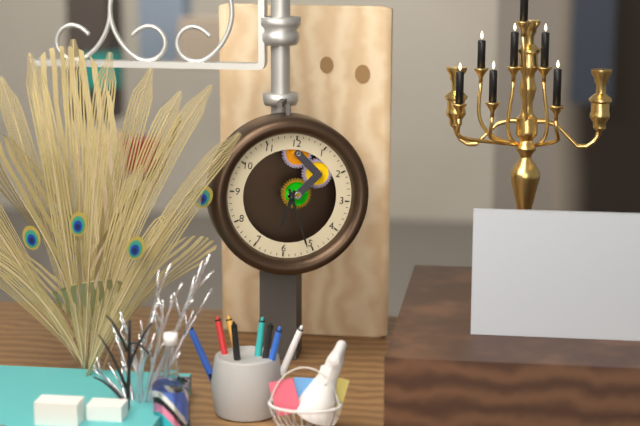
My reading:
**6:26**
